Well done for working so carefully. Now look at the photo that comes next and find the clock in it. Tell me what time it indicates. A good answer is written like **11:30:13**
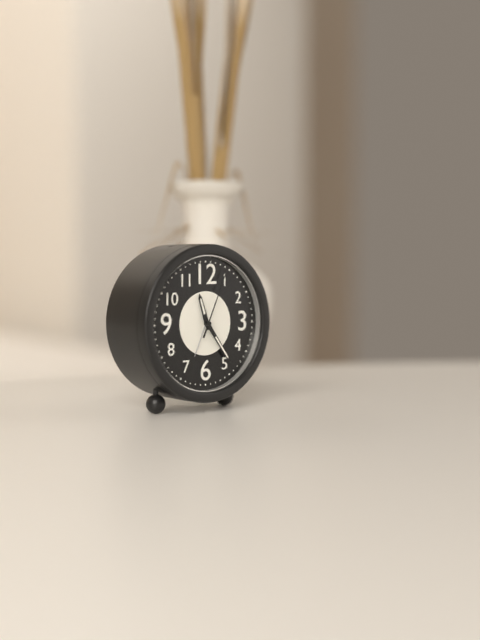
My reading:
**11:24:04**
